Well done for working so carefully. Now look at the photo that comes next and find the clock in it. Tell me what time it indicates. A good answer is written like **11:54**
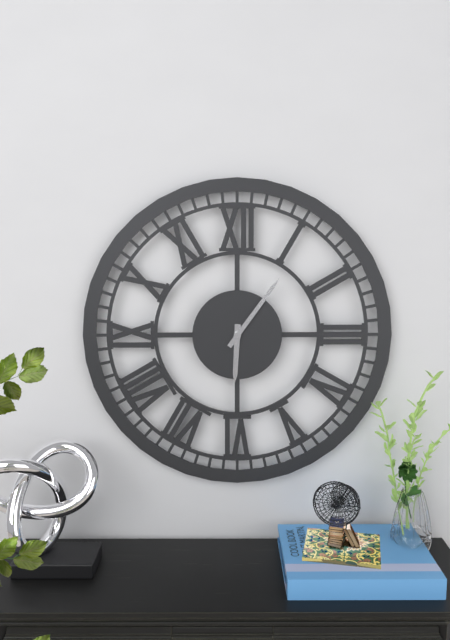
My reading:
**6:06**
